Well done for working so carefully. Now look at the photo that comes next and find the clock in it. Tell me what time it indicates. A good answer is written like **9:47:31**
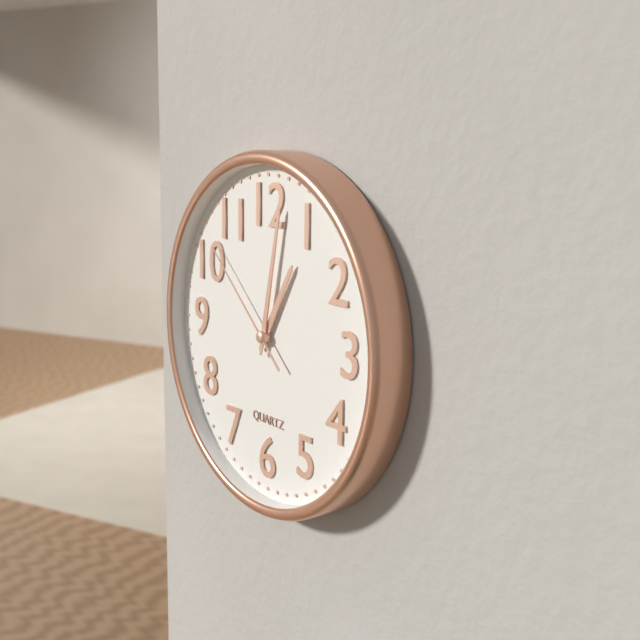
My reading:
**1:02:52**
